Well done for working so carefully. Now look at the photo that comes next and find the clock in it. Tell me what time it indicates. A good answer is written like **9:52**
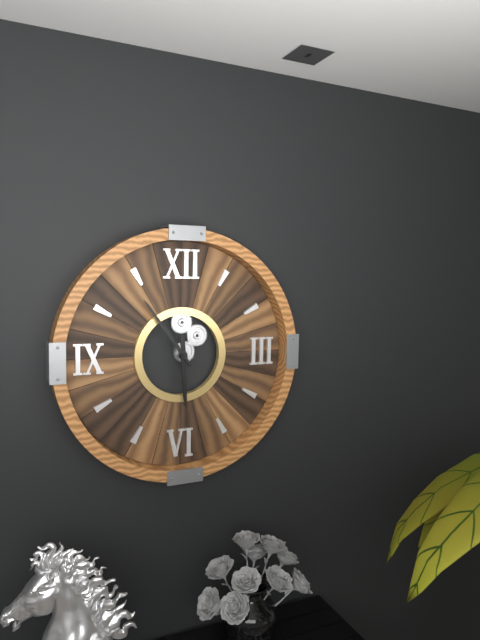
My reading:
**5:54**
